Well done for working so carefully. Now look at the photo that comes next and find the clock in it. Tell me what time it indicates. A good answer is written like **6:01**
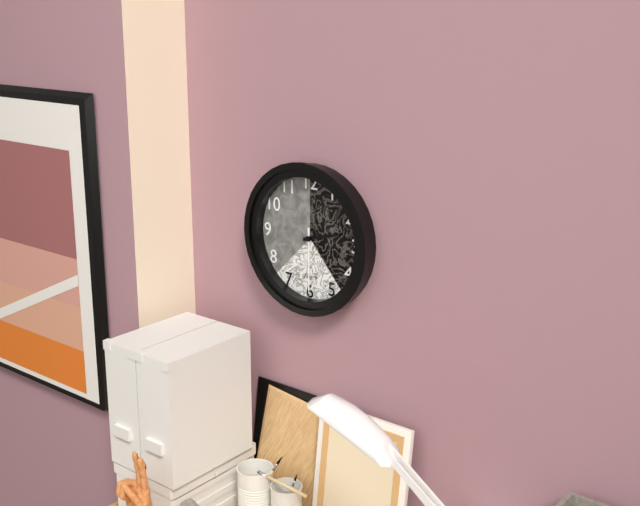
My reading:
**2:30**
